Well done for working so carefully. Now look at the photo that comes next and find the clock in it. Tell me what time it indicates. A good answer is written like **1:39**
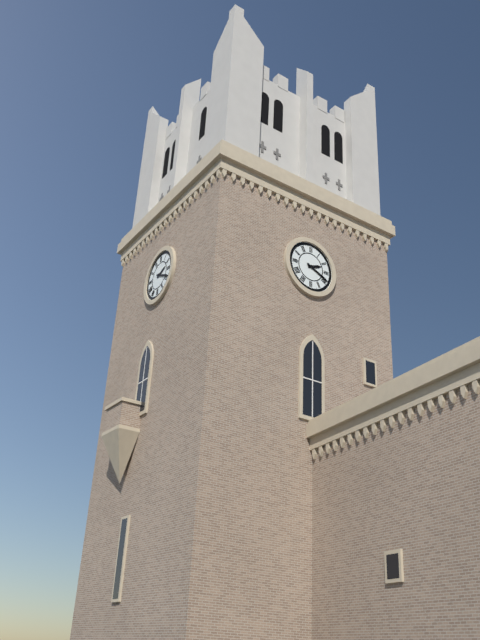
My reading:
**2:19**
